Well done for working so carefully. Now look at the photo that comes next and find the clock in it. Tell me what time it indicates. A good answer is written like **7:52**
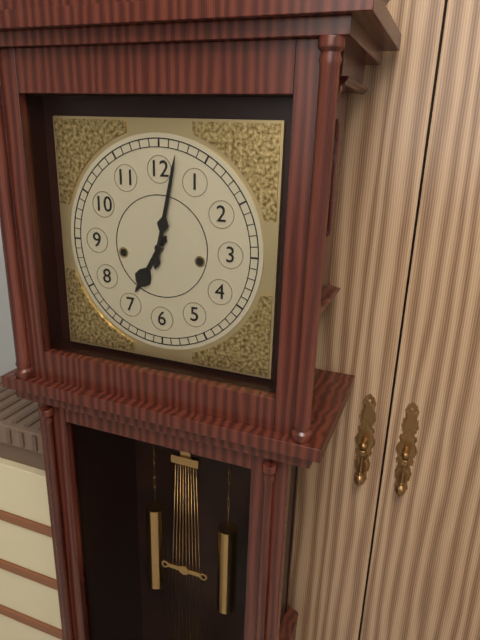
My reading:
**7:02**
